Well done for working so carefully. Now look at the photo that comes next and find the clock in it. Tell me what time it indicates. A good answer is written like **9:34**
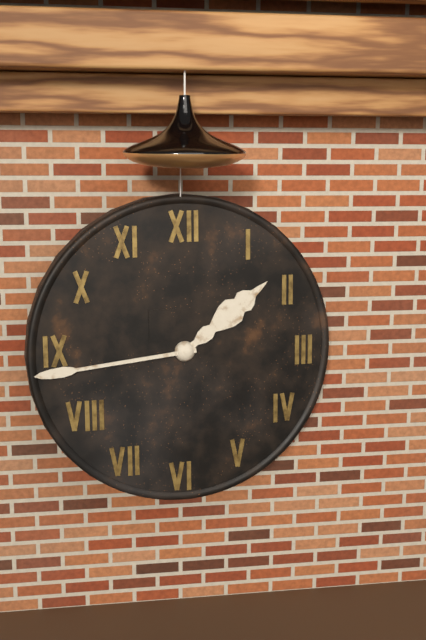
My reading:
**1:44**
